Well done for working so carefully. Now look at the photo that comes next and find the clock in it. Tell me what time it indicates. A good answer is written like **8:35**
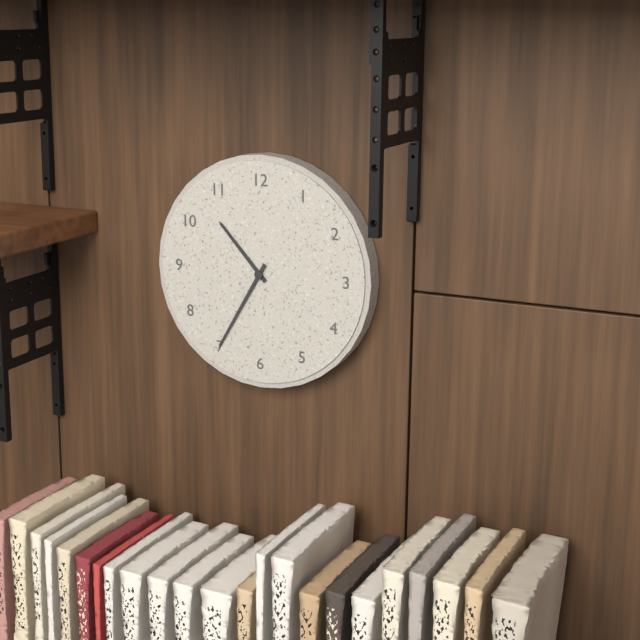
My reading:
**10:35**
